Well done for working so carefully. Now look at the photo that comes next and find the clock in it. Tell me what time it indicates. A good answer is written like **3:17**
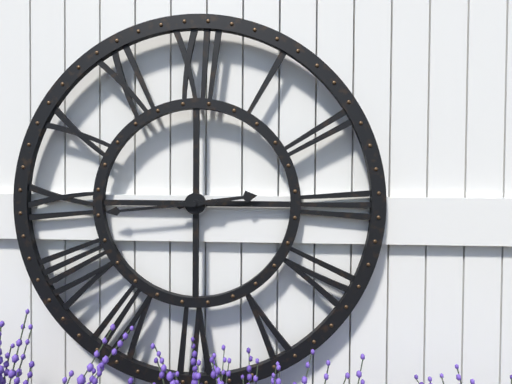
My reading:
**2:44**
